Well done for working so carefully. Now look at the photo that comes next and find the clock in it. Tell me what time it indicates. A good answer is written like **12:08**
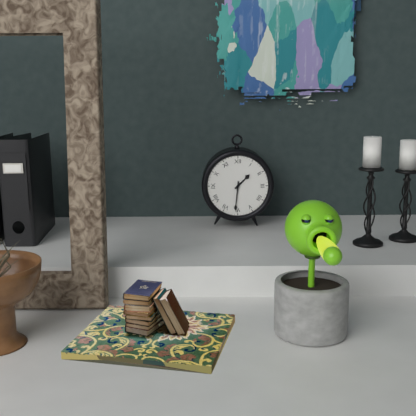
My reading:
**1:31**
